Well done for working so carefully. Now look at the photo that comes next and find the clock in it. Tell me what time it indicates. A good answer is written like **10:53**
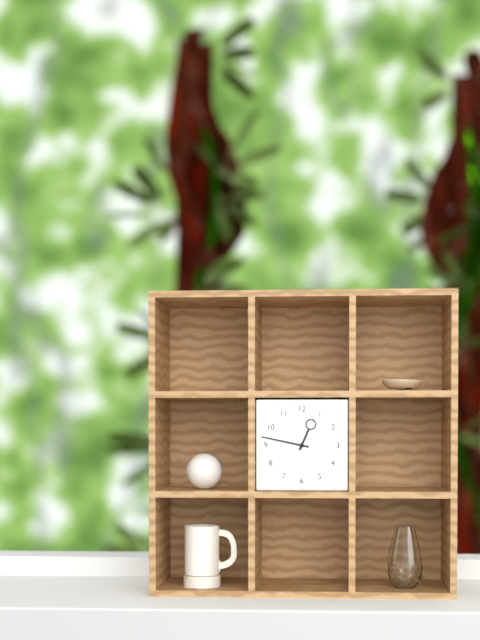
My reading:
**12:47**
